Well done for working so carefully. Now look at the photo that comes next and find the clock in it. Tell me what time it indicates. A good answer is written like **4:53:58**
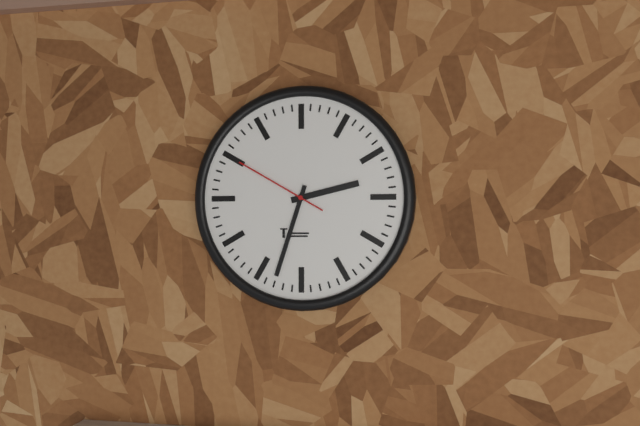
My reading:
**2:33:50**
